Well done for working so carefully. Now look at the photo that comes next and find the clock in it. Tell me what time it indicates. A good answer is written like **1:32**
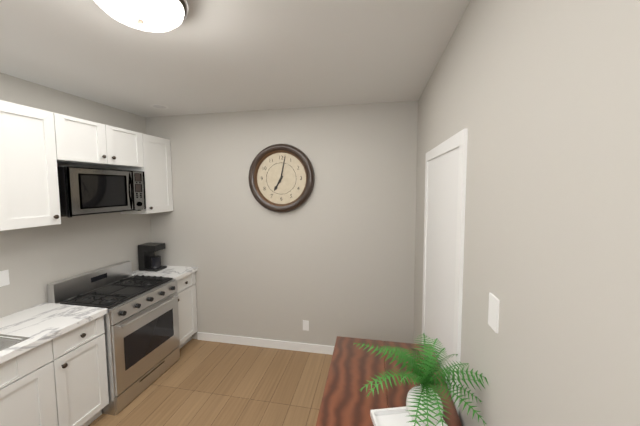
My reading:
**7:02**
